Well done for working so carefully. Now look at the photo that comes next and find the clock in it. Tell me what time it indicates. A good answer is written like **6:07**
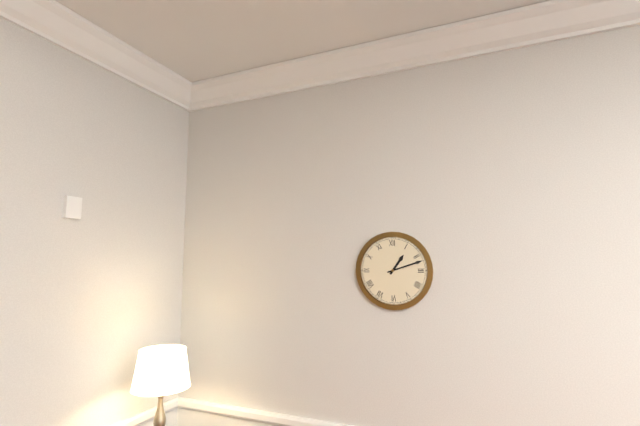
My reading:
**1:12**
